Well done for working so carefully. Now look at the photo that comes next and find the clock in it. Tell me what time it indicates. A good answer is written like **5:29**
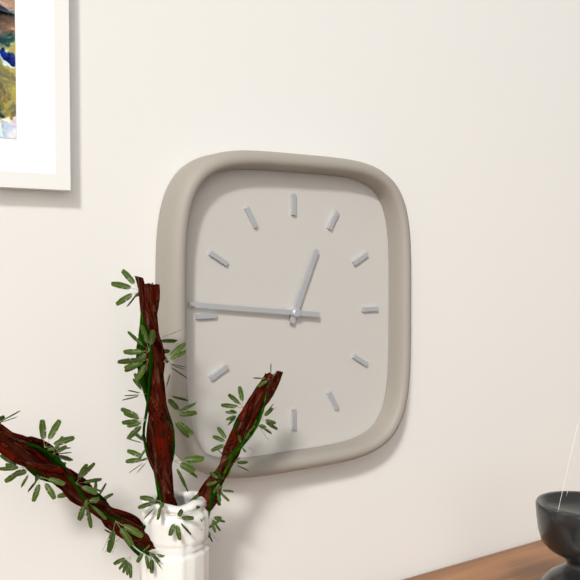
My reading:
**12:46**
